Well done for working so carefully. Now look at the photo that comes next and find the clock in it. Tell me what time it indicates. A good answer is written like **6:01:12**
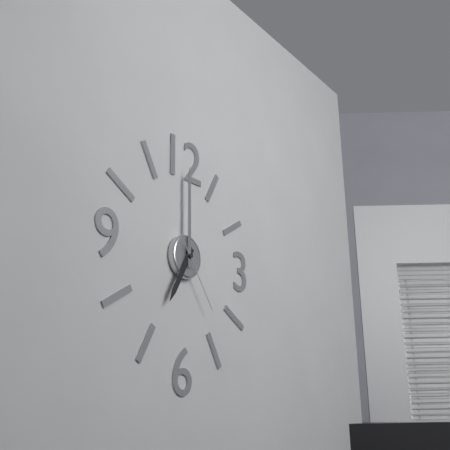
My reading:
**7:00:24**
